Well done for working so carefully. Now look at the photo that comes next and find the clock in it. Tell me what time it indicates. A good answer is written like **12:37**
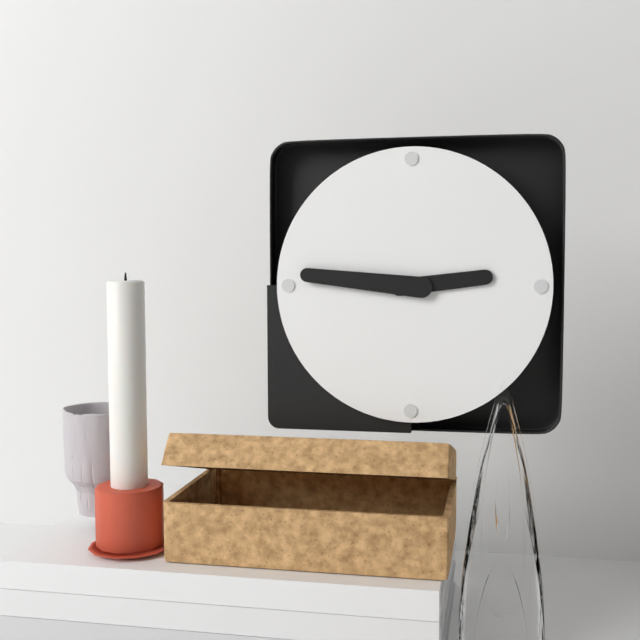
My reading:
**2:46**
